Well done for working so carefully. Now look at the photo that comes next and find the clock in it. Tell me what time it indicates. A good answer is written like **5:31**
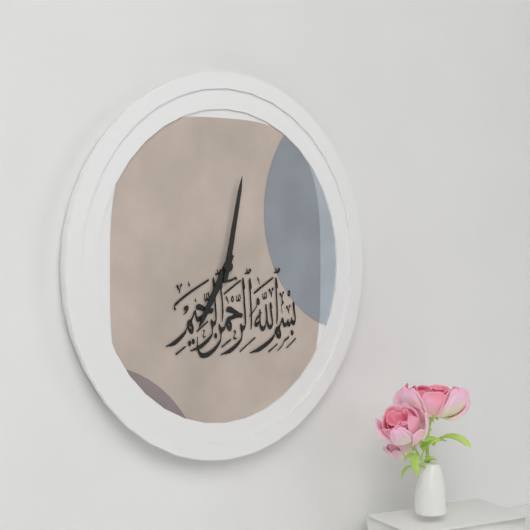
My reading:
**7:02**
